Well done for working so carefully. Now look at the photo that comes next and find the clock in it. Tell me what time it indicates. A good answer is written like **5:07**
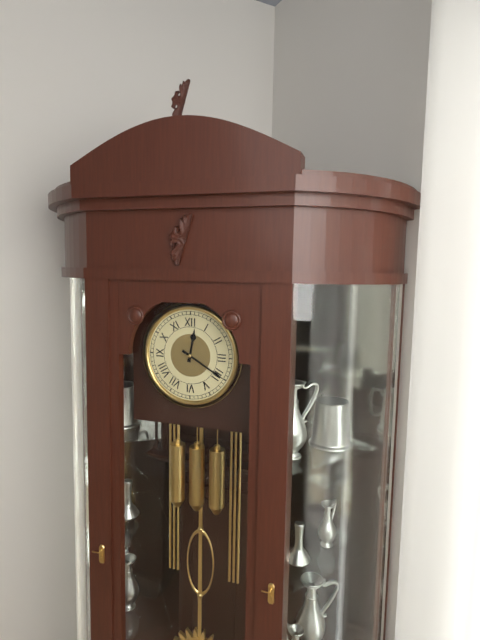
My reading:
**12:20**
